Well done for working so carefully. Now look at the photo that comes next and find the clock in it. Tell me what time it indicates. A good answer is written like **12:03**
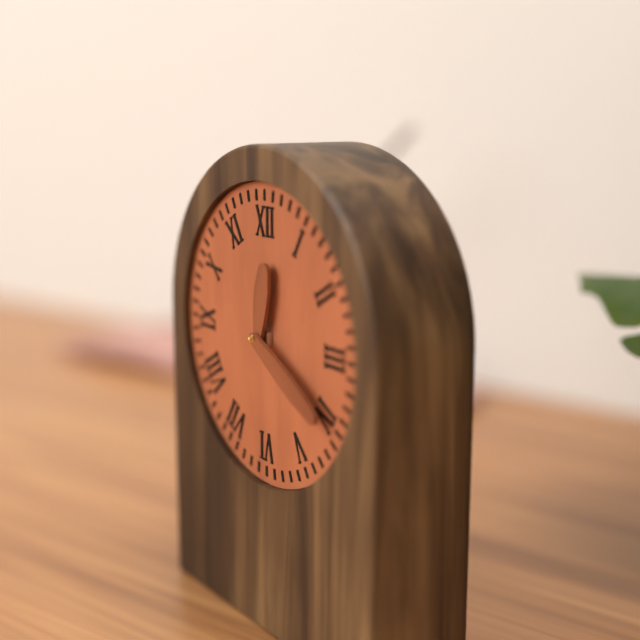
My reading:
**12:20**
